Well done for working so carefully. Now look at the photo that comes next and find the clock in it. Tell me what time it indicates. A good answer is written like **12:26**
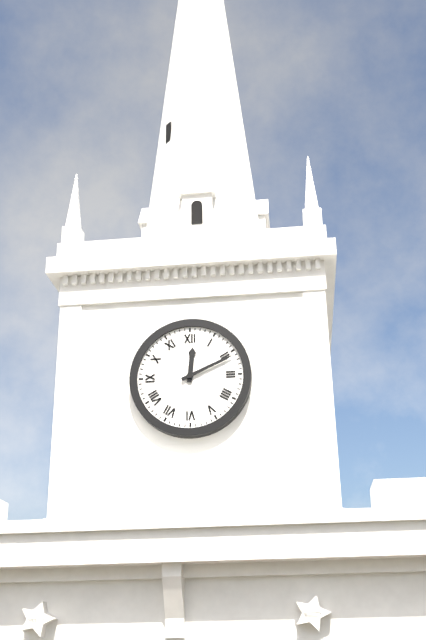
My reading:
**12:11**
